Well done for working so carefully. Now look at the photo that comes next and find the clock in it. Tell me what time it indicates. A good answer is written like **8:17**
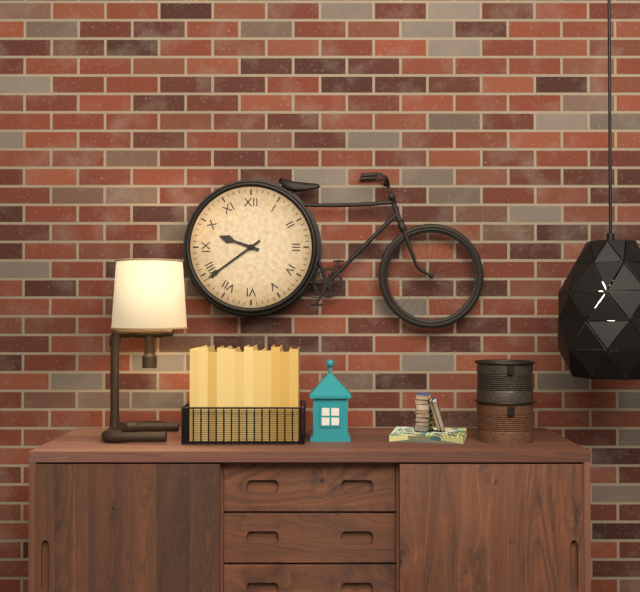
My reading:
**9:39**
